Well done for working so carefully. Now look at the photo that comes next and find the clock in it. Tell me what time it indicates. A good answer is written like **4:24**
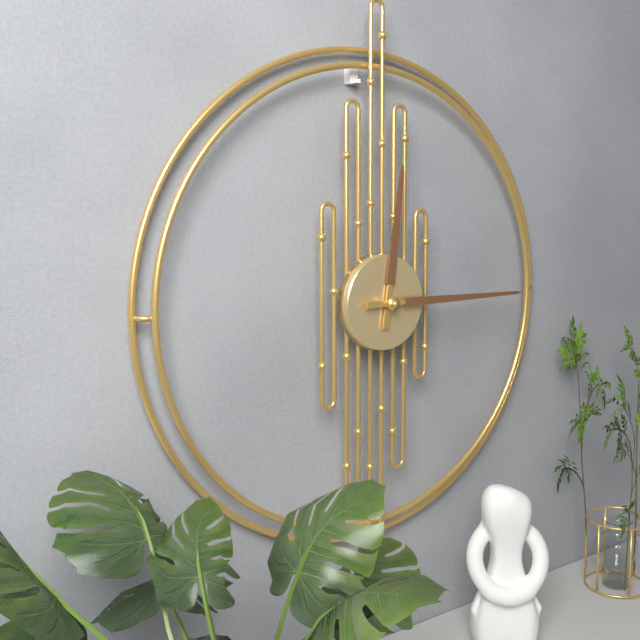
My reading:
**12:15**
